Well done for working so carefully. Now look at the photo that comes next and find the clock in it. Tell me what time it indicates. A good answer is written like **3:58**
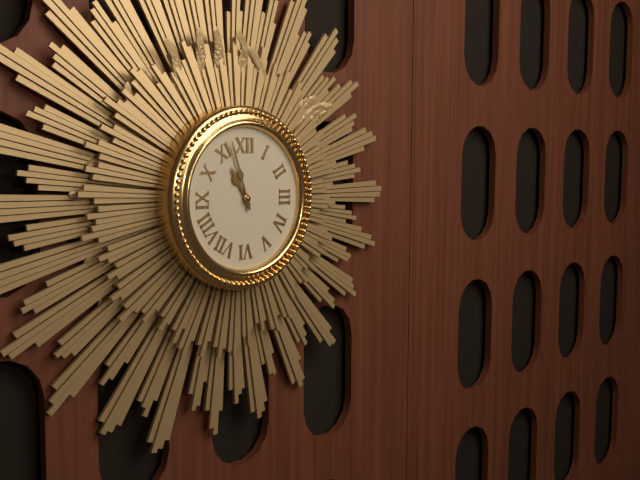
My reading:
**10:57**
